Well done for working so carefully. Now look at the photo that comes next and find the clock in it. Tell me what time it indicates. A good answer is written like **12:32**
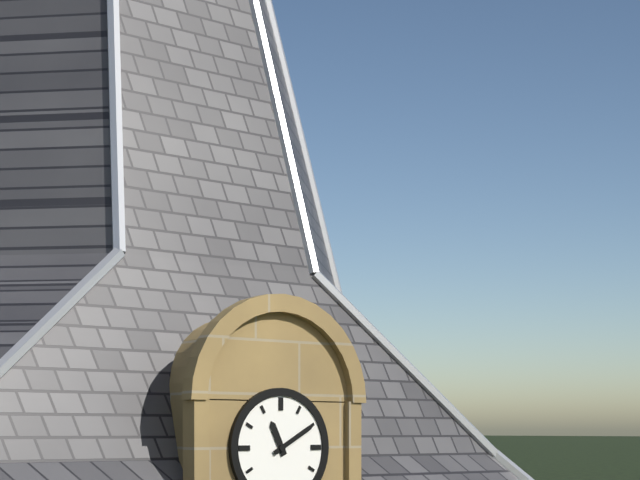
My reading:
**11:10**
